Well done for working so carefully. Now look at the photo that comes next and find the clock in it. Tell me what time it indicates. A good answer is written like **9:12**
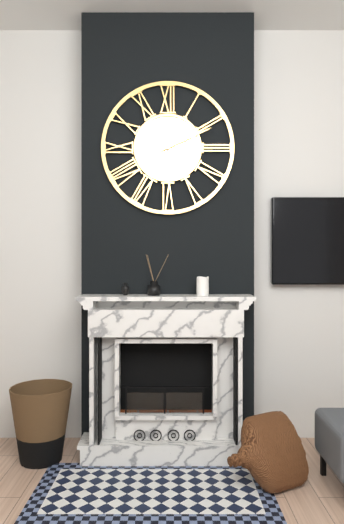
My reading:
**2:11**
